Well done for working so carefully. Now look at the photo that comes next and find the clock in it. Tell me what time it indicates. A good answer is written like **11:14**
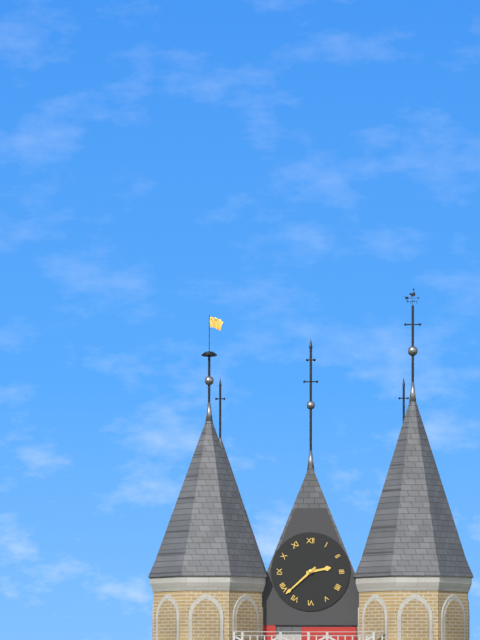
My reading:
**2:38**
